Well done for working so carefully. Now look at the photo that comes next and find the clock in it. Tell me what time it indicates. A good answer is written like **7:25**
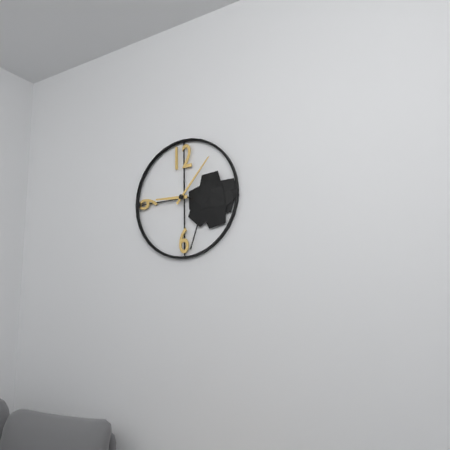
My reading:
**9:07**
